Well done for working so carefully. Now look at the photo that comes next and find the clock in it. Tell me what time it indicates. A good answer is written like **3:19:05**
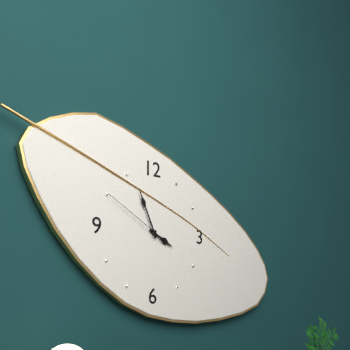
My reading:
**3:56:50**
